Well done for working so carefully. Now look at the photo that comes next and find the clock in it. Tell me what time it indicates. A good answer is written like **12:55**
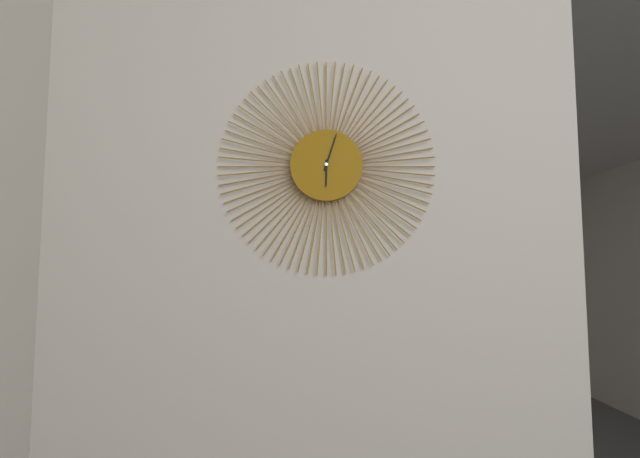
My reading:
**6:03**
